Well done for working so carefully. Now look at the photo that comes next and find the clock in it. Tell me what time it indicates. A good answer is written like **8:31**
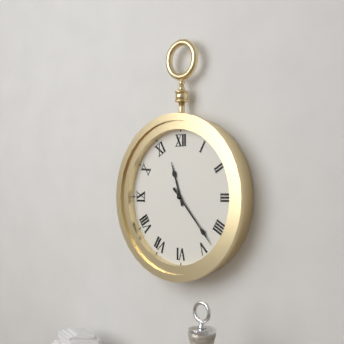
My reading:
**11:23**
